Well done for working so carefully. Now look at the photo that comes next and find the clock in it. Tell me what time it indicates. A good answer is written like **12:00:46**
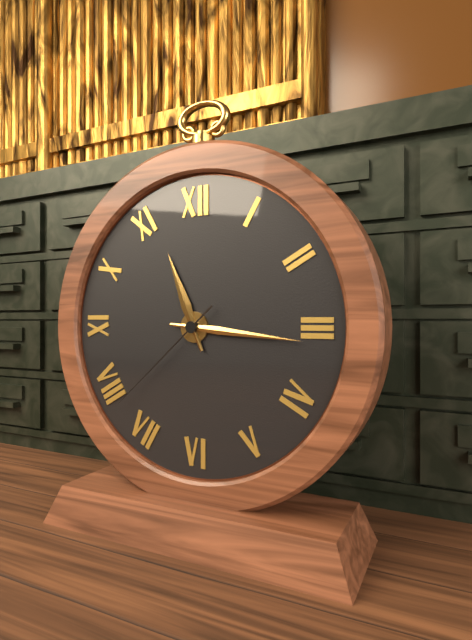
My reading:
**11:16:38**
